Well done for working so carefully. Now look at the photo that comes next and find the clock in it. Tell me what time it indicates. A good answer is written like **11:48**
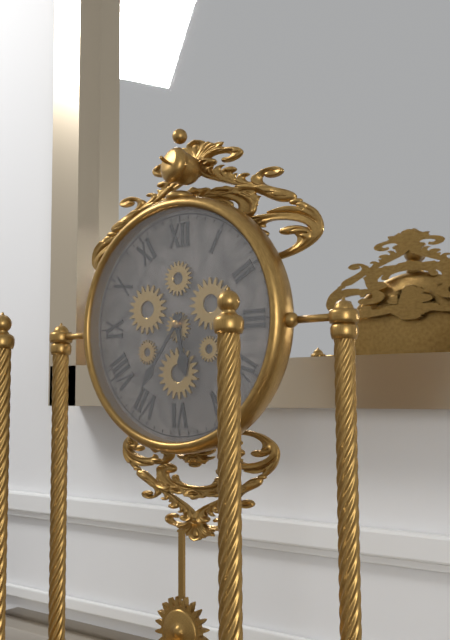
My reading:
**5:36**
